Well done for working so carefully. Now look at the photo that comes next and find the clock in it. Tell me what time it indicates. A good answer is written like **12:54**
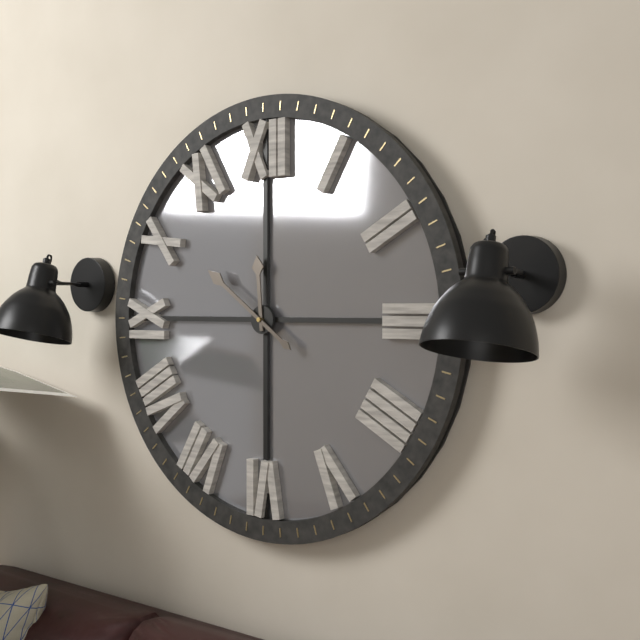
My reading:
**11:51**
